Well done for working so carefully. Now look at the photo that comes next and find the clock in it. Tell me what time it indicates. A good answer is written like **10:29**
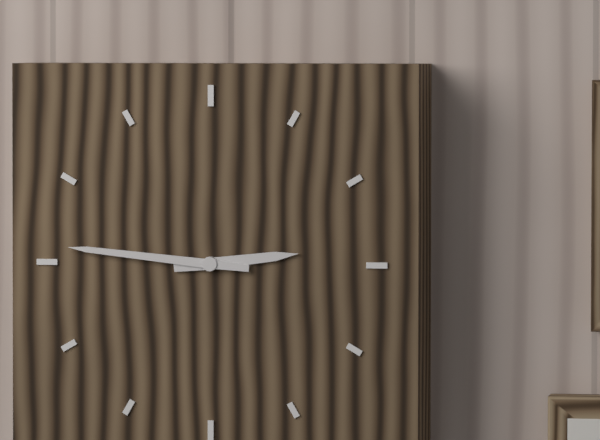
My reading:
**2:46**
